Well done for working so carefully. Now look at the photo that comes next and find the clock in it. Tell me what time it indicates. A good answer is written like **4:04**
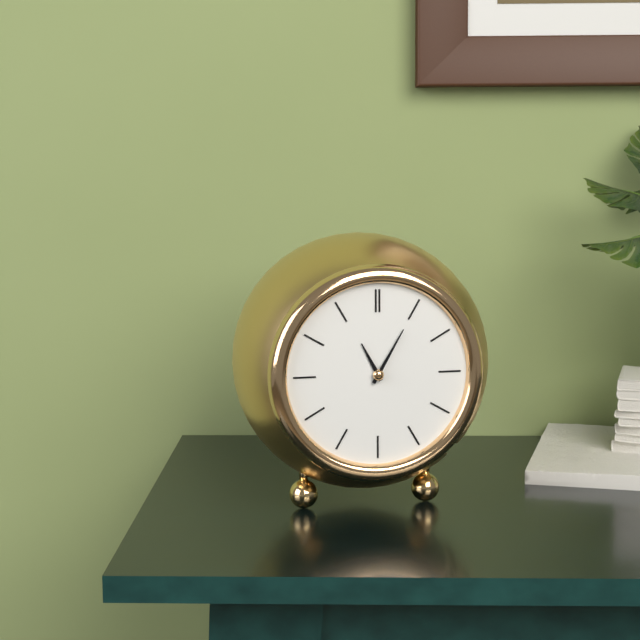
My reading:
**11:05**
